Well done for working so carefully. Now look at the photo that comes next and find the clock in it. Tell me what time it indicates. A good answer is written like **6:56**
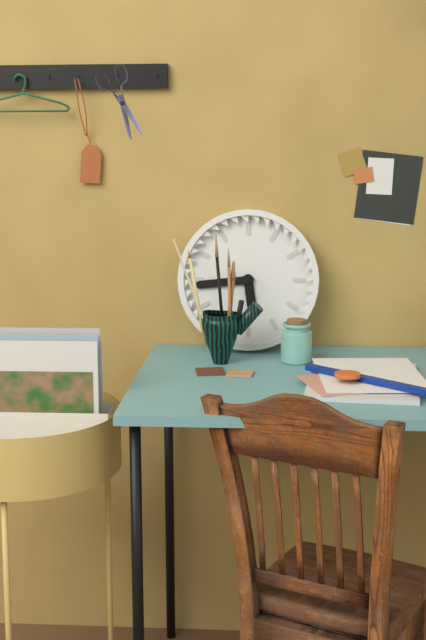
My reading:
**5:44**
